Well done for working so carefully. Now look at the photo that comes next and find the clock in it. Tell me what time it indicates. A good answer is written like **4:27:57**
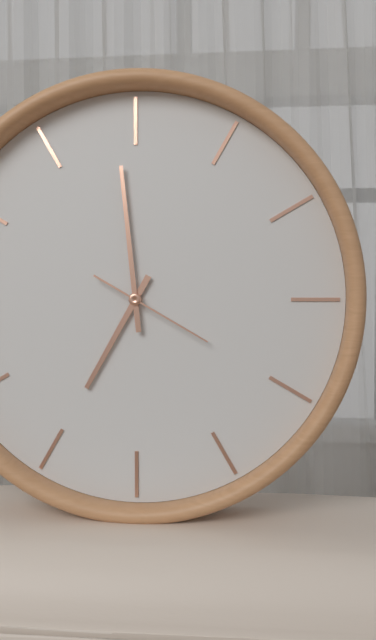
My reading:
**6:59:20**
